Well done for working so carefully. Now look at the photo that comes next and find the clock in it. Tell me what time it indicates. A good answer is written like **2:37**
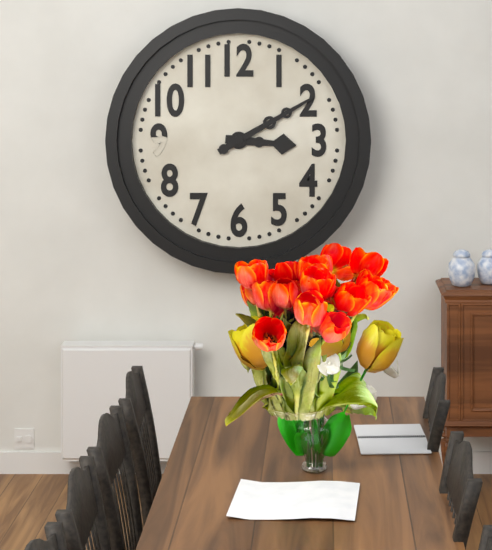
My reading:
**3:10**
